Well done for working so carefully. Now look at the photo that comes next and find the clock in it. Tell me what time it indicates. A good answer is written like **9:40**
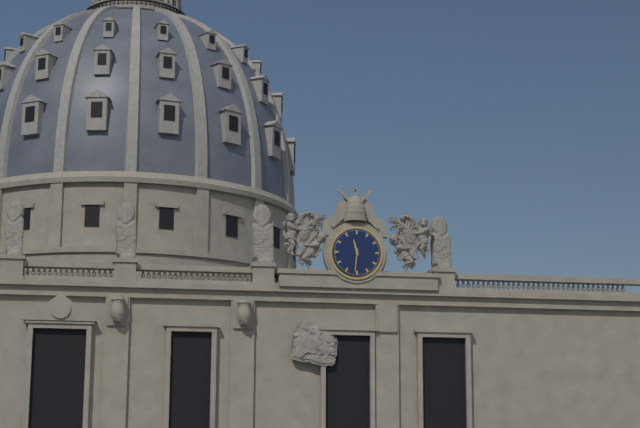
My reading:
**11:31**
